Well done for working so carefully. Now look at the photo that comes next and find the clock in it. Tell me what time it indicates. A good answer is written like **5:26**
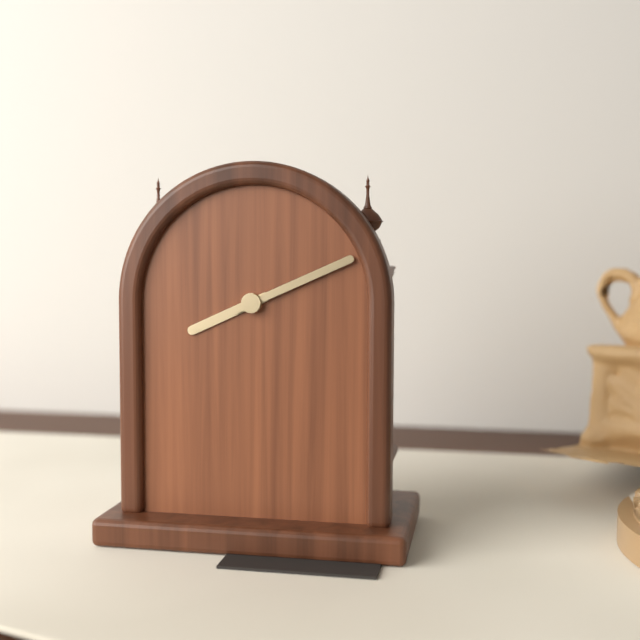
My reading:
**8:11**
